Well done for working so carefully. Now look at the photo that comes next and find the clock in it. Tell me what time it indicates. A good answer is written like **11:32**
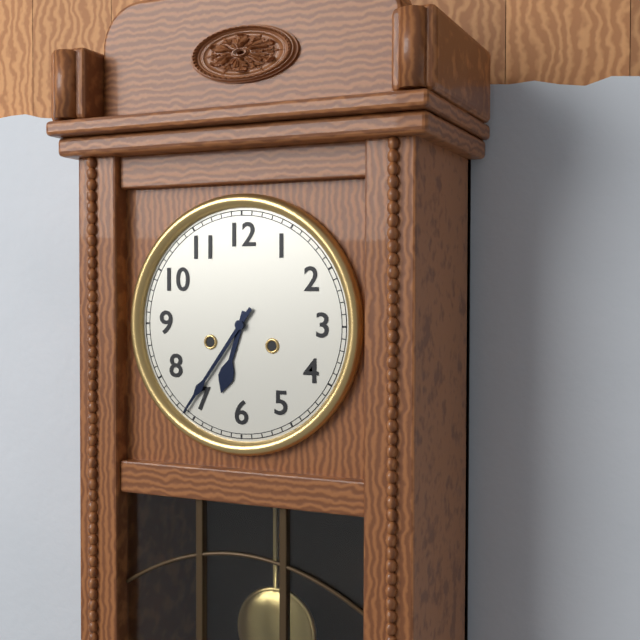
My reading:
**6:36**
